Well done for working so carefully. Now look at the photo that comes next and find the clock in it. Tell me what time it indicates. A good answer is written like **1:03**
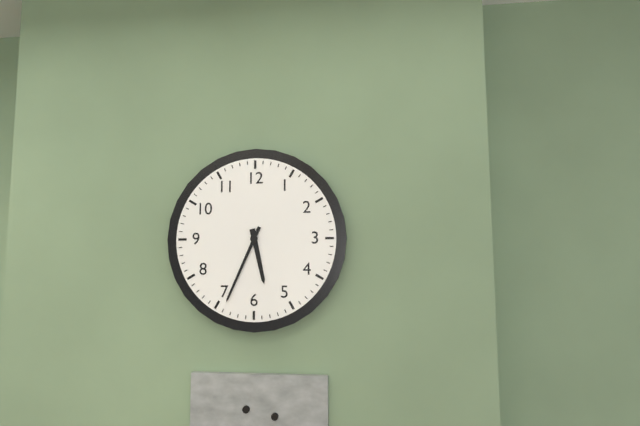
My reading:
**5:34**
